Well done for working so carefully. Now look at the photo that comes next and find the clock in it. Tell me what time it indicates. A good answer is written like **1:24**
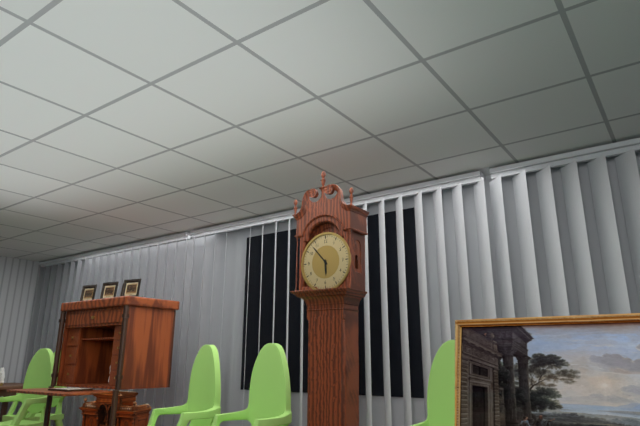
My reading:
**5:53**
